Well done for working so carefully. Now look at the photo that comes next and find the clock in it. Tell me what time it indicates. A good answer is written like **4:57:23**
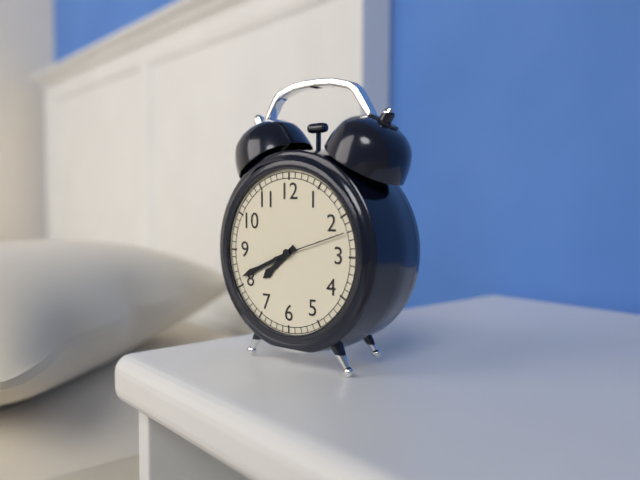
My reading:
**7:41:12**
